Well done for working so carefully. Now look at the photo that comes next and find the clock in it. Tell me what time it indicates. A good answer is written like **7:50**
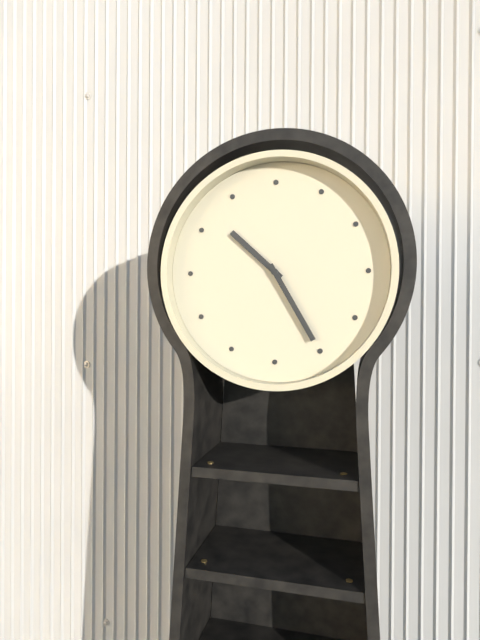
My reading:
**10:25**
